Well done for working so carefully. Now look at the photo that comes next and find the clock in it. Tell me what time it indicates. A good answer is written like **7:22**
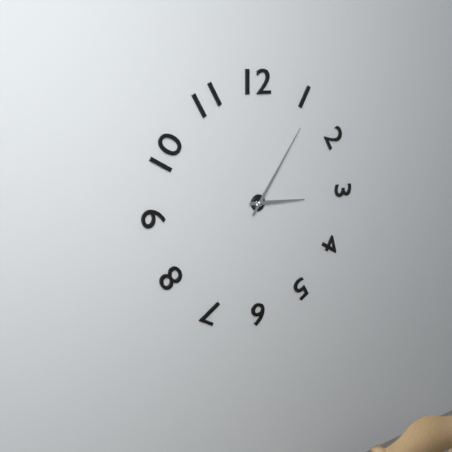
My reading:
**3:06**
